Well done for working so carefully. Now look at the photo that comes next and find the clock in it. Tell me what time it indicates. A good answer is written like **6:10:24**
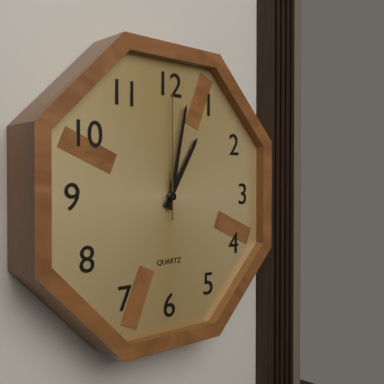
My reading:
**1:02:00**
